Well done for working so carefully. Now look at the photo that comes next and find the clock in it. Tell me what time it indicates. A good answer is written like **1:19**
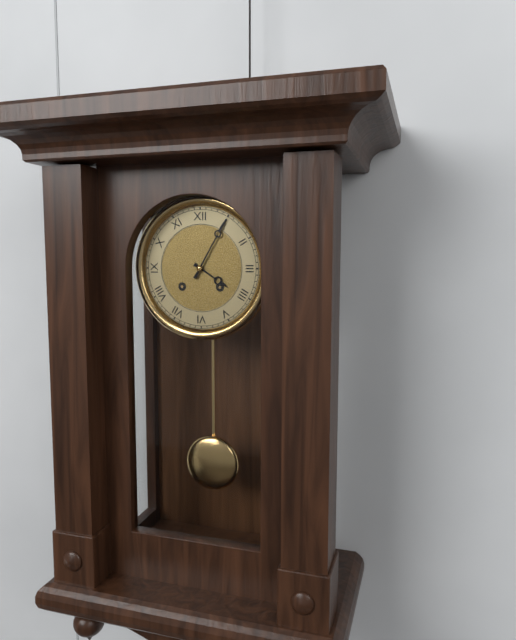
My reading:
**4:05**
